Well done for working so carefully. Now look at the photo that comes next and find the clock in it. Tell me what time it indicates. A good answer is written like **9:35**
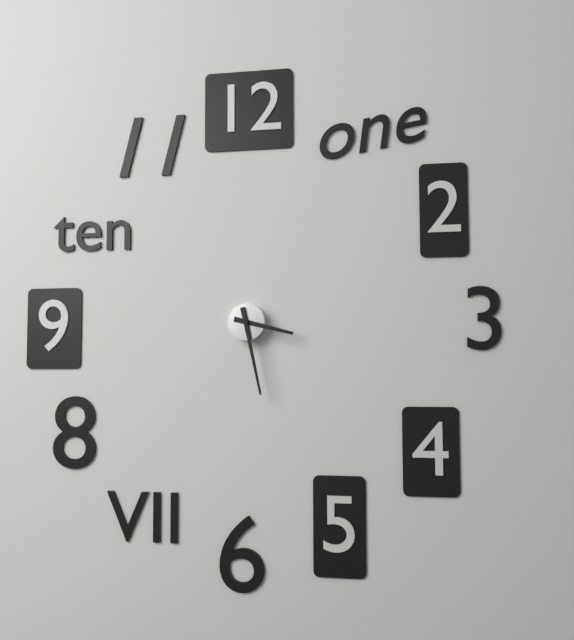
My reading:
**3:28**
